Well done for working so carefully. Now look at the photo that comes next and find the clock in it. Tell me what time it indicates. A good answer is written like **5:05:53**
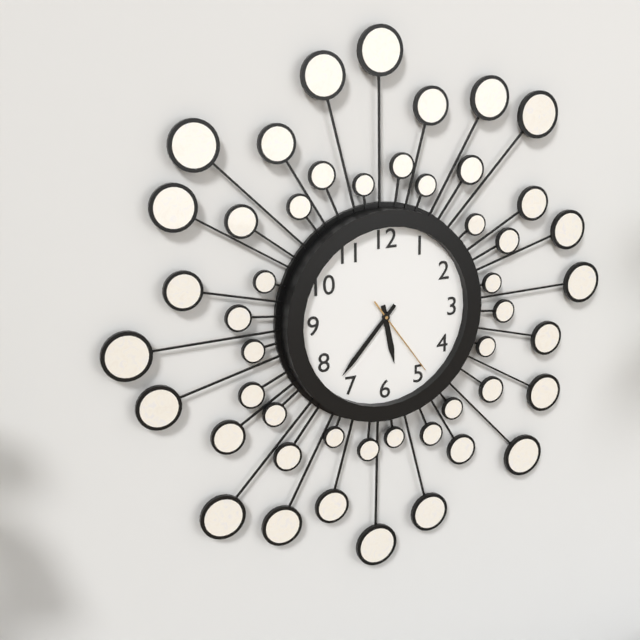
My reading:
**5:37:24**
